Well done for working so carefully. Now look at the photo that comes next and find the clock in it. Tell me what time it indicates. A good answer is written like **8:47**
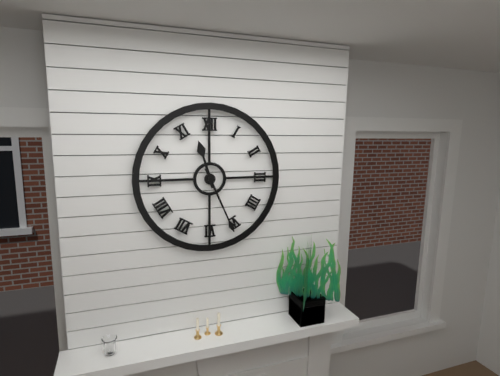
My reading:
**11:26**
